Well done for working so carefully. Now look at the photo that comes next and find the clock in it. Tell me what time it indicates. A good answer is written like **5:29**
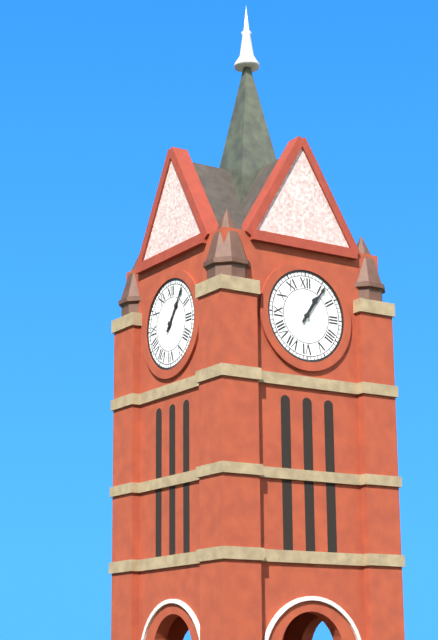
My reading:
**1:06**
